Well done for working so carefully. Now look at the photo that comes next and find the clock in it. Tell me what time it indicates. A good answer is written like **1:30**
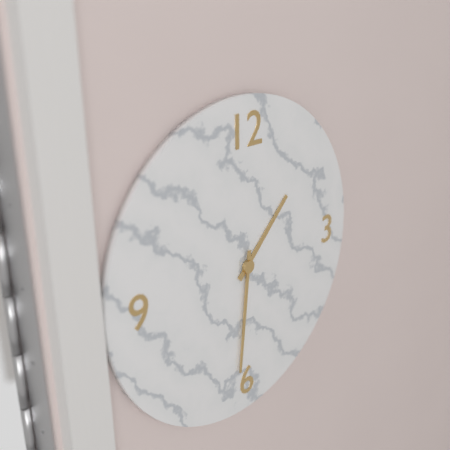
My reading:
**1:31**
